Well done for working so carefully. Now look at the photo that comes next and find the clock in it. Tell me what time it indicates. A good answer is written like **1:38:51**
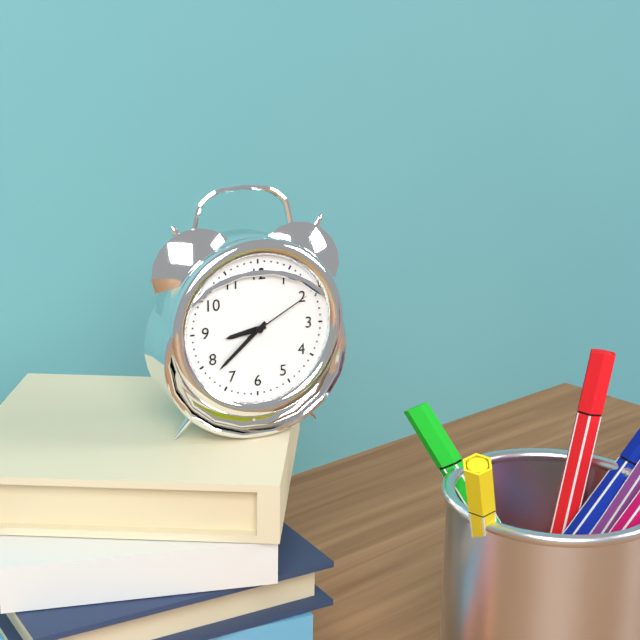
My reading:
**8:38:10**
